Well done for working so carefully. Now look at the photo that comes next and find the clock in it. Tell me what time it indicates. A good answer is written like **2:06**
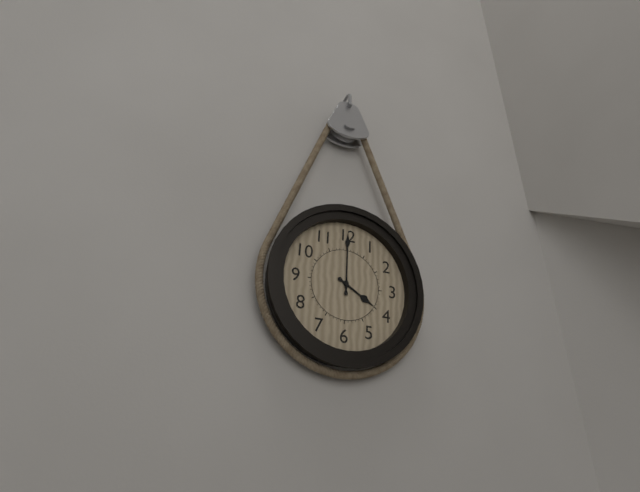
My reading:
**4:00**
